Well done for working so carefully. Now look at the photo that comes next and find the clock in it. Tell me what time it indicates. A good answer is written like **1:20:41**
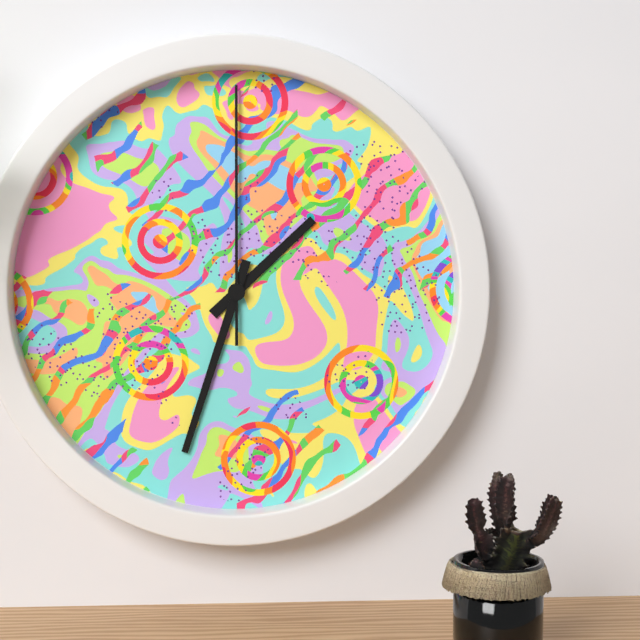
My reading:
**1:33:00**
